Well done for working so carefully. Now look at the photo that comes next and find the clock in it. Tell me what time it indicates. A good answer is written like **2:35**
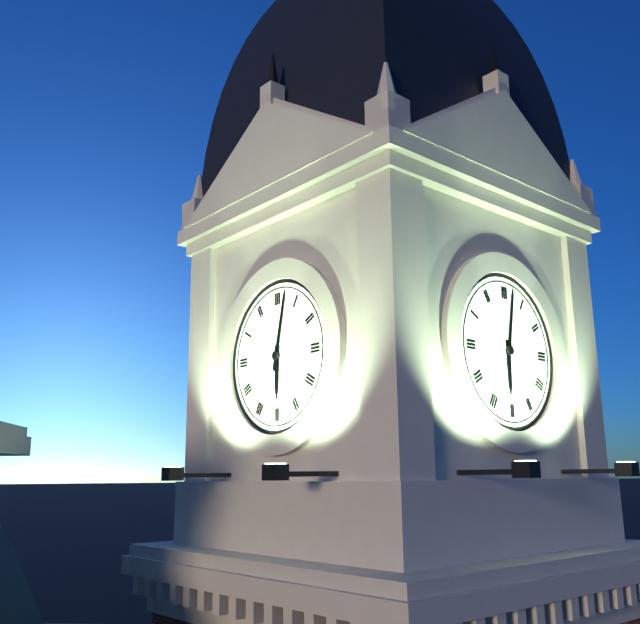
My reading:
**6:02**
